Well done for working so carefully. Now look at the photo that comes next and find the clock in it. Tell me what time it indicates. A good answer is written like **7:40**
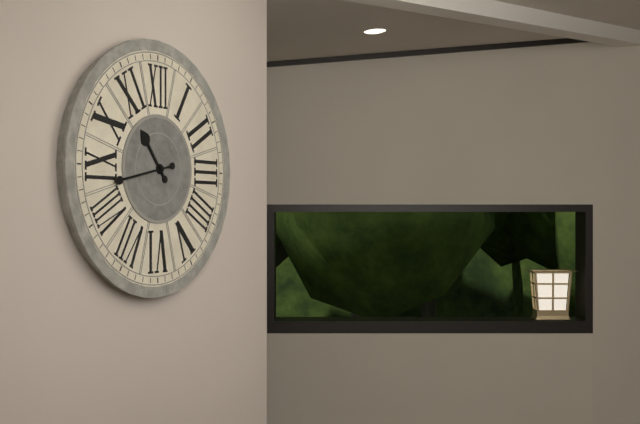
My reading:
**10:43**
